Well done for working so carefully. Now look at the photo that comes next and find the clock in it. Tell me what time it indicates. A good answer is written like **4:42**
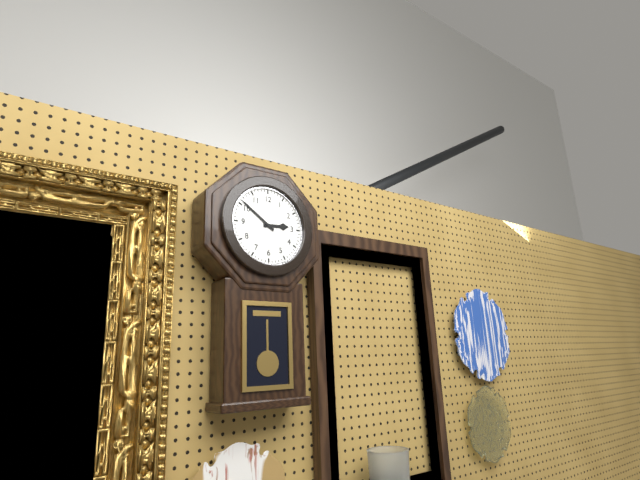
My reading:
**2:51**
